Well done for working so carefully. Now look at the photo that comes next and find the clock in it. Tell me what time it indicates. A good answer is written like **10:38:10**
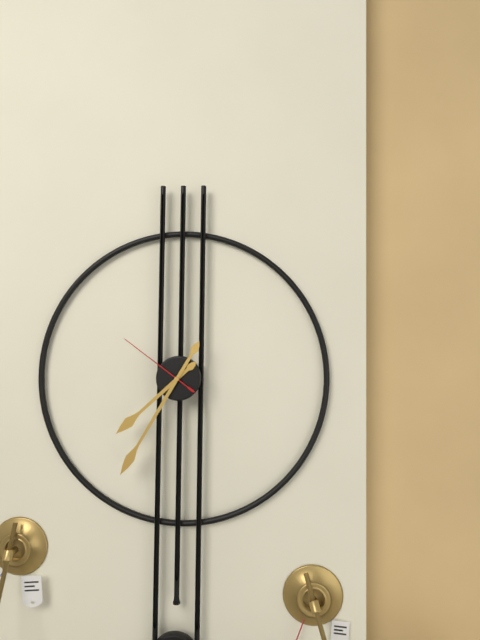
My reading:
**7:35:51**
